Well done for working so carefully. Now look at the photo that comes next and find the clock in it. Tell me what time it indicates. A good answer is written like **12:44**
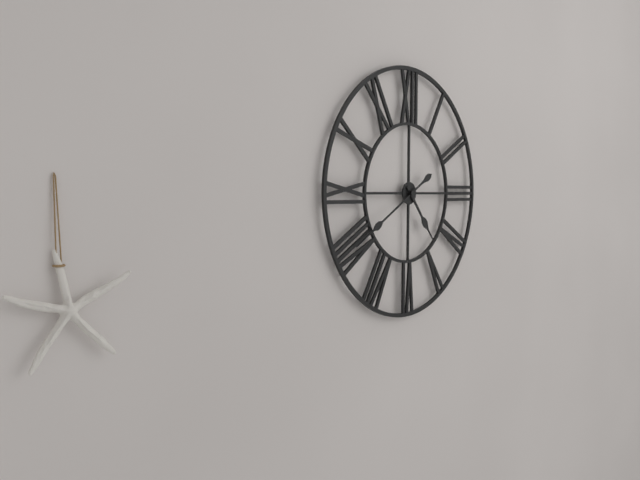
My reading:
**4:40**
